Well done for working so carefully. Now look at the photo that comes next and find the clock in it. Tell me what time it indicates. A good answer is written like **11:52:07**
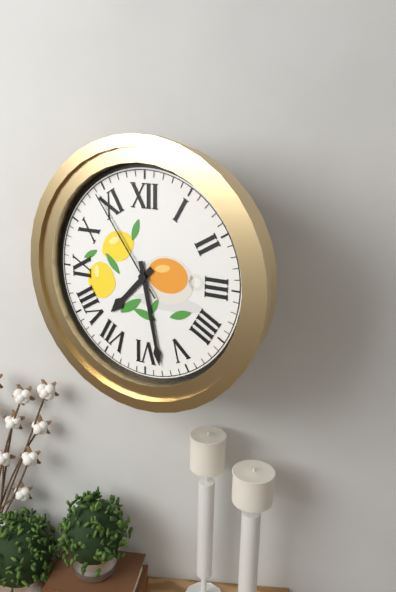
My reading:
**7:28:54**
